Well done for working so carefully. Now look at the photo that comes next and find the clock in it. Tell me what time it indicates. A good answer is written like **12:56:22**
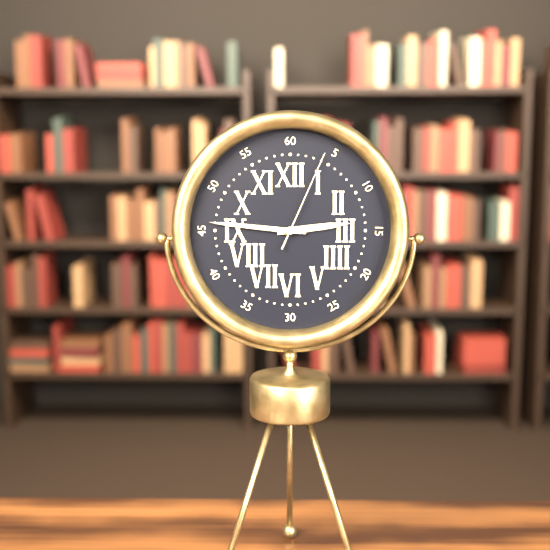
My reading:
**2:46:04**
